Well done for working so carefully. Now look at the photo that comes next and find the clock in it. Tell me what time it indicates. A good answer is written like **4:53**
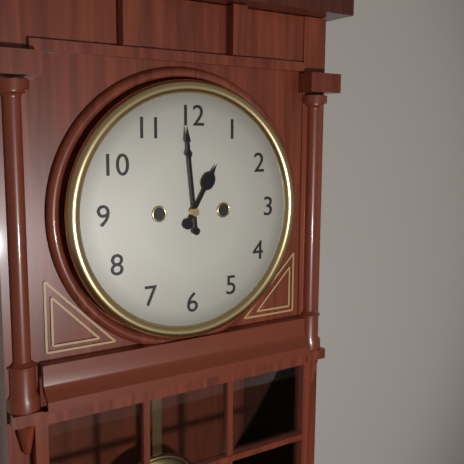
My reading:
**12:59**
